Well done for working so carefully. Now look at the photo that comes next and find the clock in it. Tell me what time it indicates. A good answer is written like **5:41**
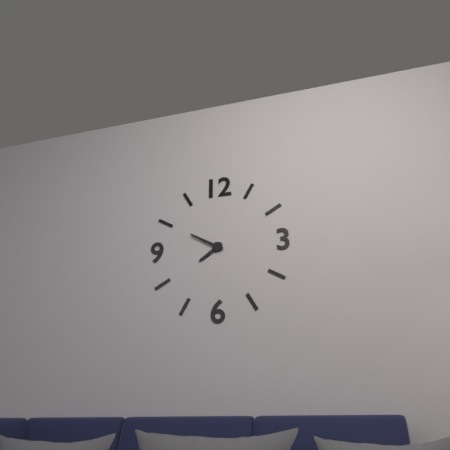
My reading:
**7:50**
